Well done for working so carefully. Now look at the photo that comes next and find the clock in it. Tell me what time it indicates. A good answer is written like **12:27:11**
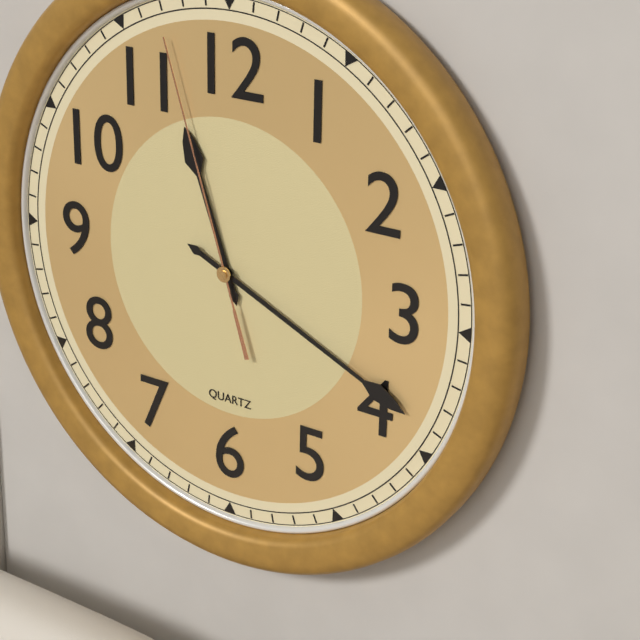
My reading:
**11:19:57**
